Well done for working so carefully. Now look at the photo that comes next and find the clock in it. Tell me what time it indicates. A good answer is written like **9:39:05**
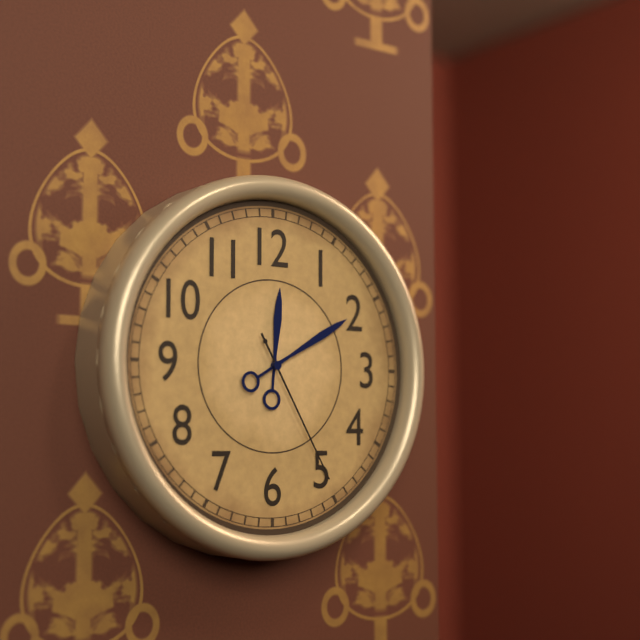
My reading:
**12:10:25**
